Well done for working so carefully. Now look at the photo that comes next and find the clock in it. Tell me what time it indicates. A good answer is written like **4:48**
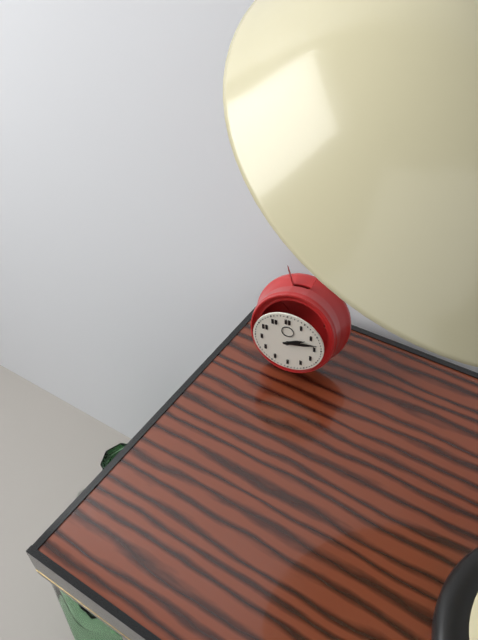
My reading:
**2:13**
